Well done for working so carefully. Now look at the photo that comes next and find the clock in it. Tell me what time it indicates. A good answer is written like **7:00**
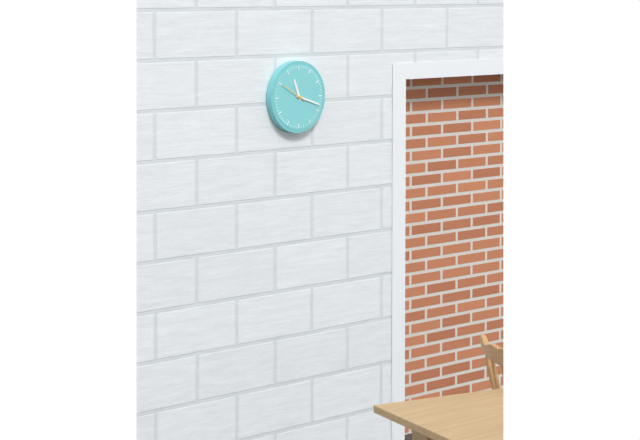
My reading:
**11:18**
